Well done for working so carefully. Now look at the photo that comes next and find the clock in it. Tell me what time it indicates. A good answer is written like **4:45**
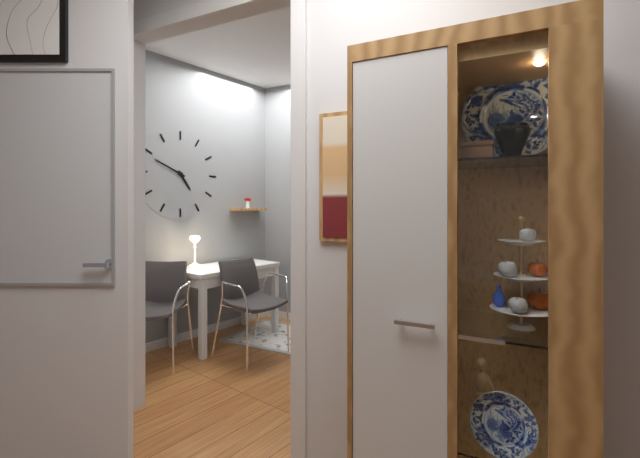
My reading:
**4:49**
